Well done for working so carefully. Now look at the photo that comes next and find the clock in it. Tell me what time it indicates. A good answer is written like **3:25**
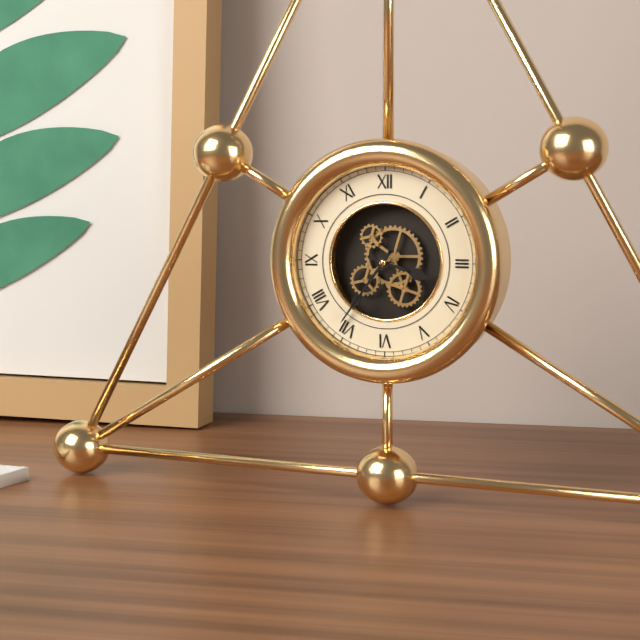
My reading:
**3:36**
